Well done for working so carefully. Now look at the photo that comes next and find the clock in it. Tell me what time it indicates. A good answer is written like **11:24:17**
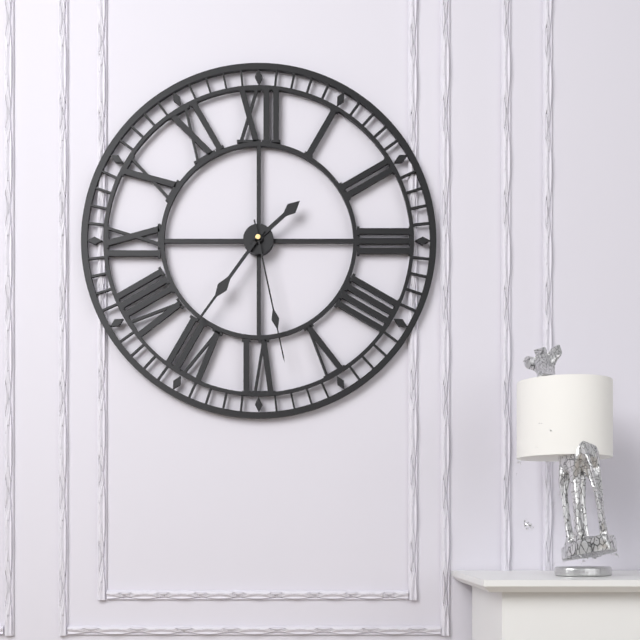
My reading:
**1:36:28**
